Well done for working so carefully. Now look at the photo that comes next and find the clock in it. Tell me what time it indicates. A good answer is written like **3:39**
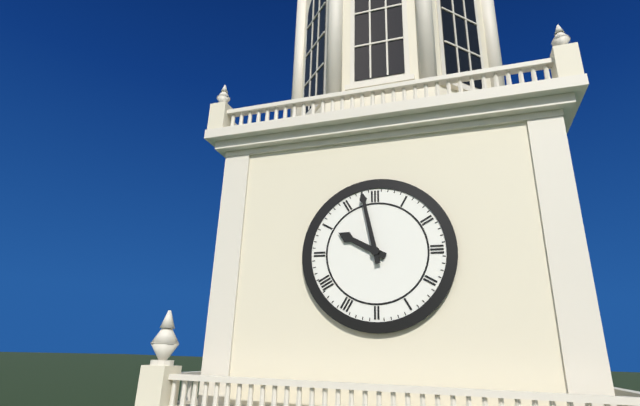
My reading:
**9:58**
